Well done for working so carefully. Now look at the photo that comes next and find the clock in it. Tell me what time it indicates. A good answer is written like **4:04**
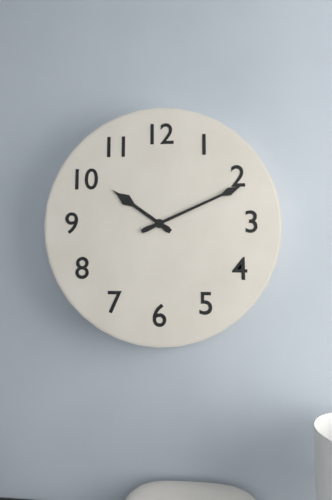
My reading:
**10:11**
